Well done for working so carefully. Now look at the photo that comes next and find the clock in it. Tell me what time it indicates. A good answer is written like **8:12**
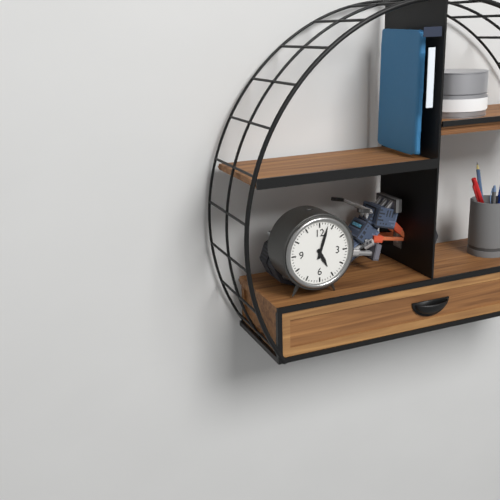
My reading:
**5:03**
